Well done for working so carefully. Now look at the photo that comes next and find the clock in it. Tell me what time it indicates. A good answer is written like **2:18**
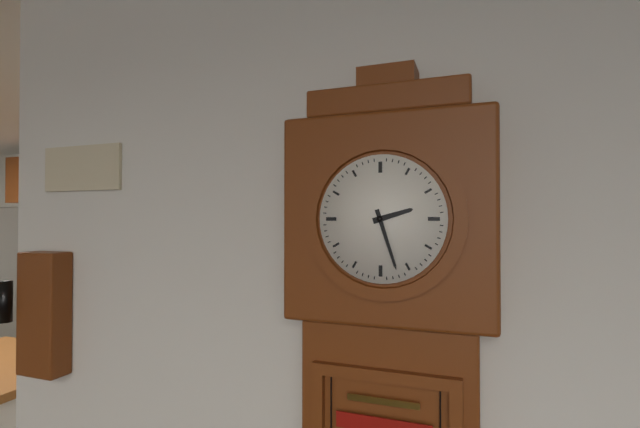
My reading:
**2:27**
